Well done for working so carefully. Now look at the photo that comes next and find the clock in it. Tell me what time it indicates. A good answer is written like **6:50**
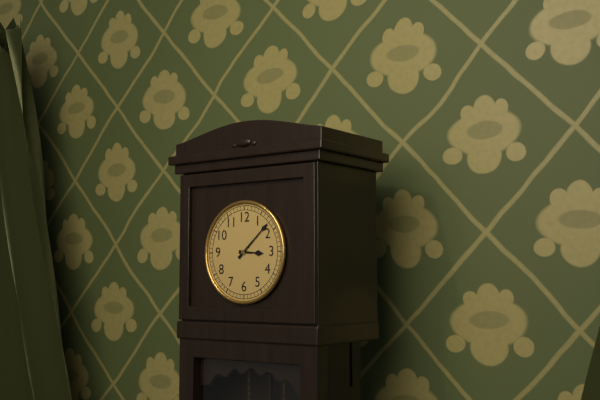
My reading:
**3:08**
